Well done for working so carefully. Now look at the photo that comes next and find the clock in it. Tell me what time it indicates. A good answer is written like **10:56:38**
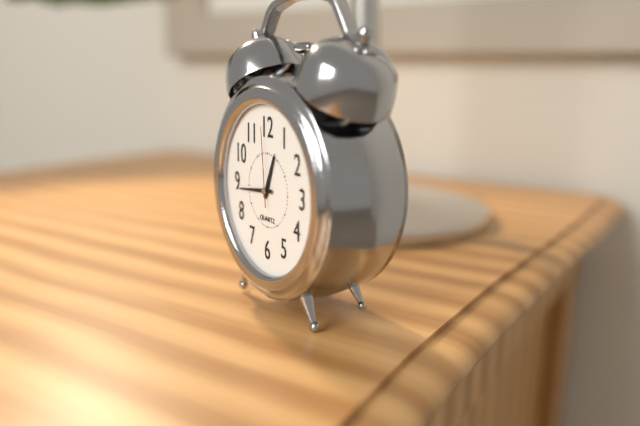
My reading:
**12:44:59**
